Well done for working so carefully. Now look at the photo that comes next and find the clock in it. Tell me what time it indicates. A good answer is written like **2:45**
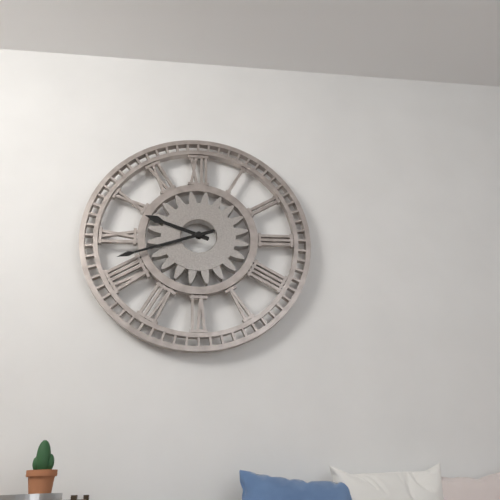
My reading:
**9:42**
